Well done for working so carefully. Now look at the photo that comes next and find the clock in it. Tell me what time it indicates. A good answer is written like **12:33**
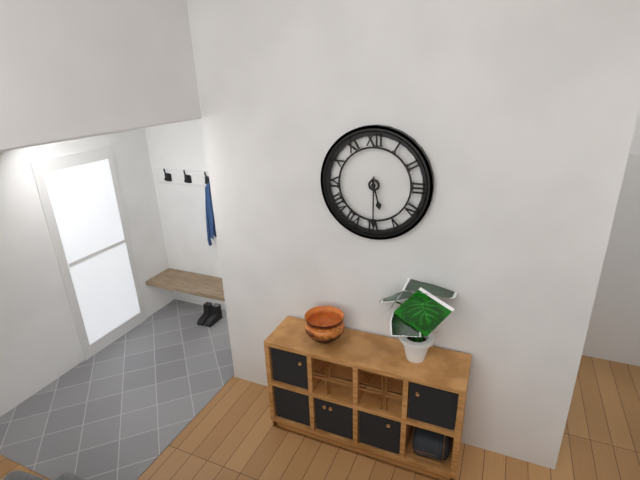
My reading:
**5:30**
